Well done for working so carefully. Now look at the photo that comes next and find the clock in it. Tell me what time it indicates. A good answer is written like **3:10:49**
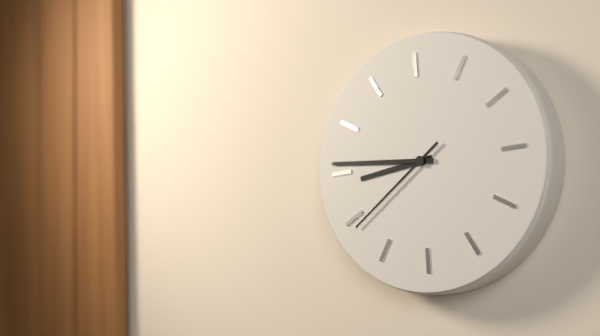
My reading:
**8:46:39**
